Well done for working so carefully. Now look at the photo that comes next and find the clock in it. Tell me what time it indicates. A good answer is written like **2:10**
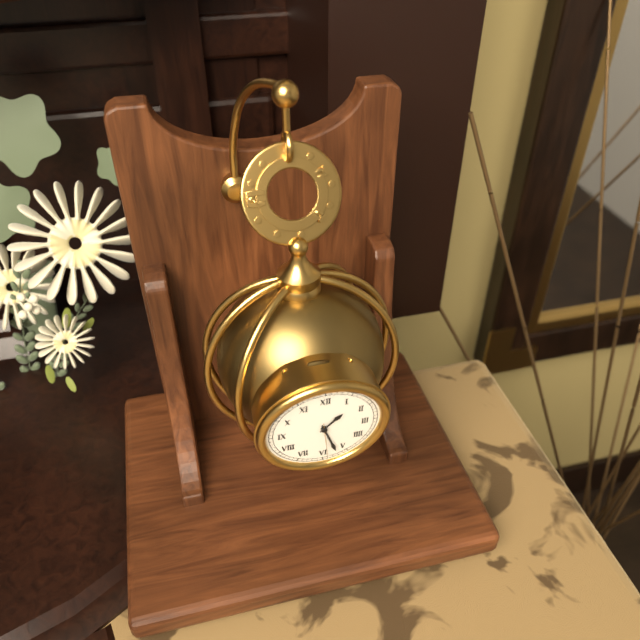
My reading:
**1:27**
